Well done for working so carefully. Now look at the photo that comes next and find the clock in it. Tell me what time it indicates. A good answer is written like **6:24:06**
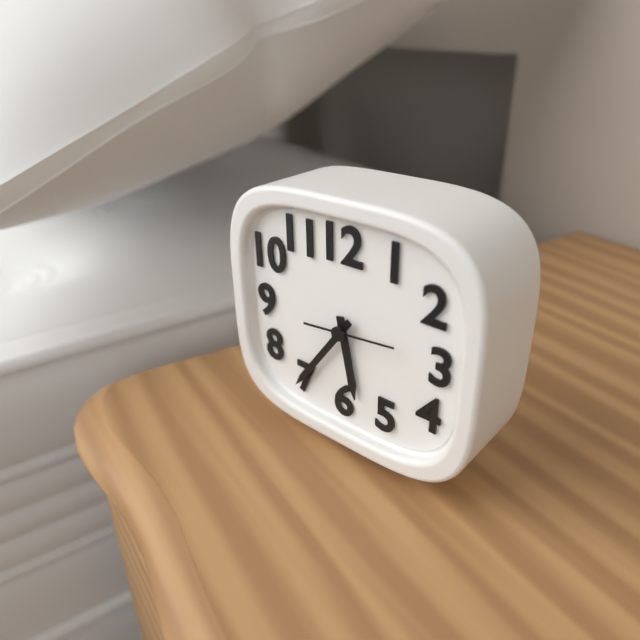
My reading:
**5:36:14**
